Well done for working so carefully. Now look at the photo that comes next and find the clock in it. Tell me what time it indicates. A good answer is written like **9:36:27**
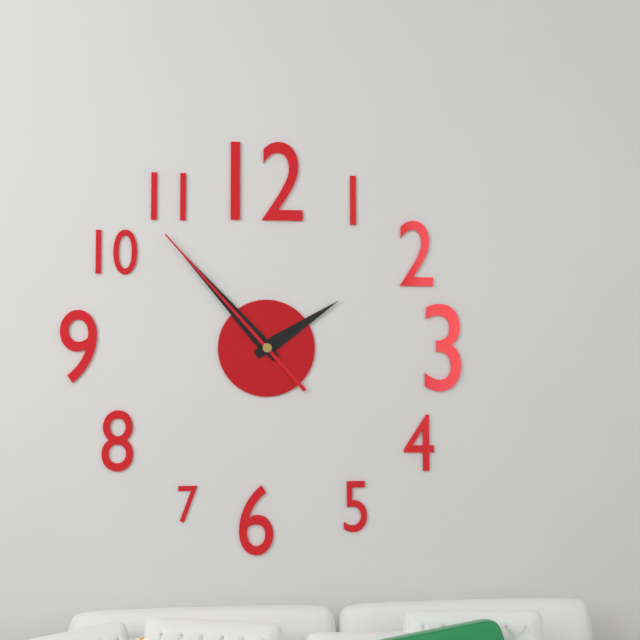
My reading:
**1:53:53**
